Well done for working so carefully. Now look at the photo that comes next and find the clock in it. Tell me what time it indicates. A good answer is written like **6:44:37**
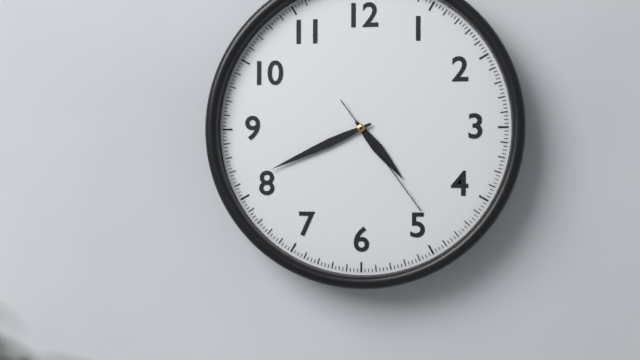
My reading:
**4:41:24**
